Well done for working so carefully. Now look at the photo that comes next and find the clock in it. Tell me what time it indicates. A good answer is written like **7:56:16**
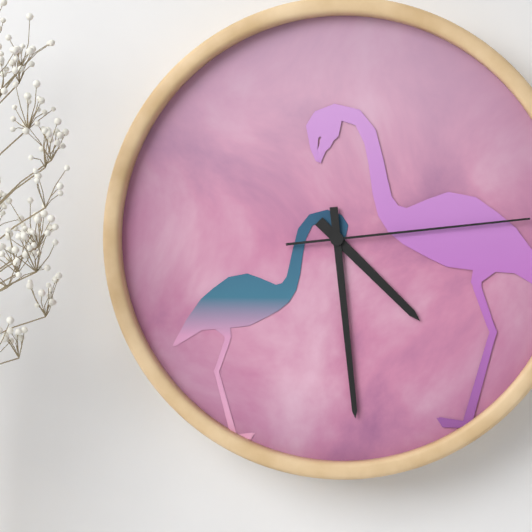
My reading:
**4:29:14**
